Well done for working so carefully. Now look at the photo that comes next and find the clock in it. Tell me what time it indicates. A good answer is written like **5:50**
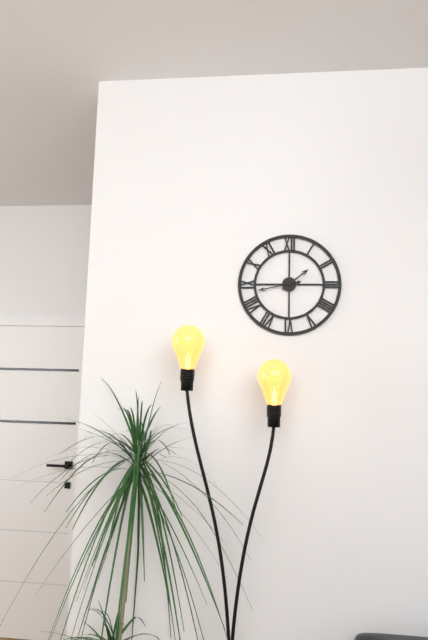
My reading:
**1:43**
